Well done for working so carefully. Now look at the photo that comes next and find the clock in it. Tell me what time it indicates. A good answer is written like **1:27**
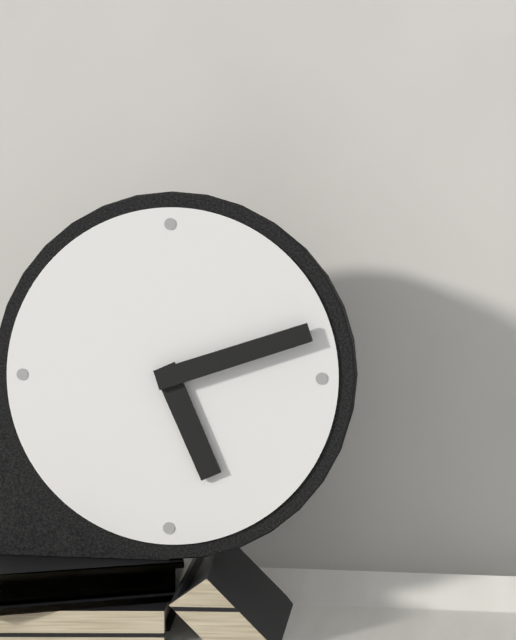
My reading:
**5:12**
